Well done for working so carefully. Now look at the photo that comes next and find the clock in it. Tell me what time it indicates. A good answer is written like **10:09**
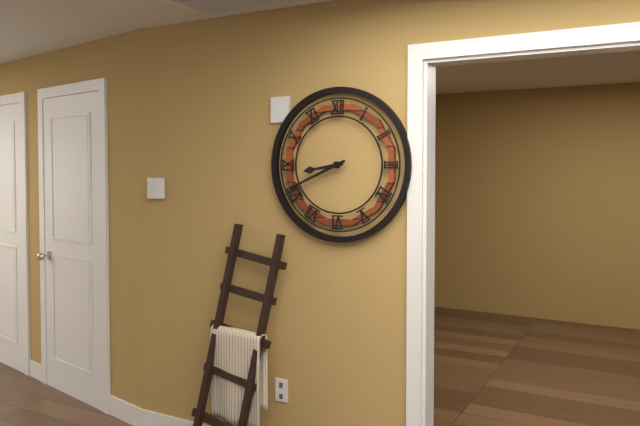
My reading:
**8:41**
